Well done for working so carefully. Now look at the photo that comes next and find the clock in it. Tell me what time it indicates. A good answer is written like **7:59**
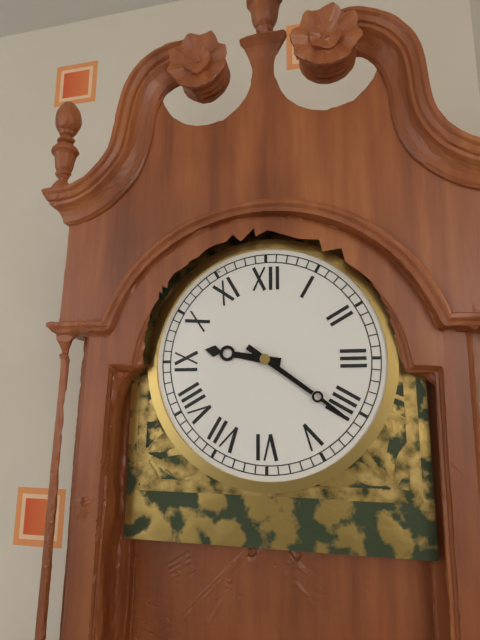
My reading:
**9:21**
